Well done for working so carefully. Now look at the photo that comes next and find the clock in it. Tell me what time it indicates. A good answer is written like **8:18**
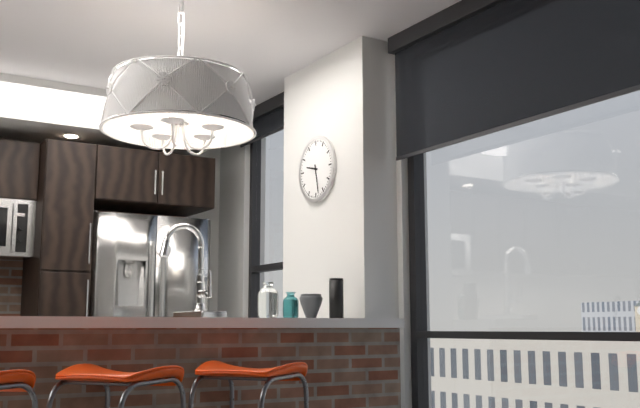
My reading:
**9:28**
